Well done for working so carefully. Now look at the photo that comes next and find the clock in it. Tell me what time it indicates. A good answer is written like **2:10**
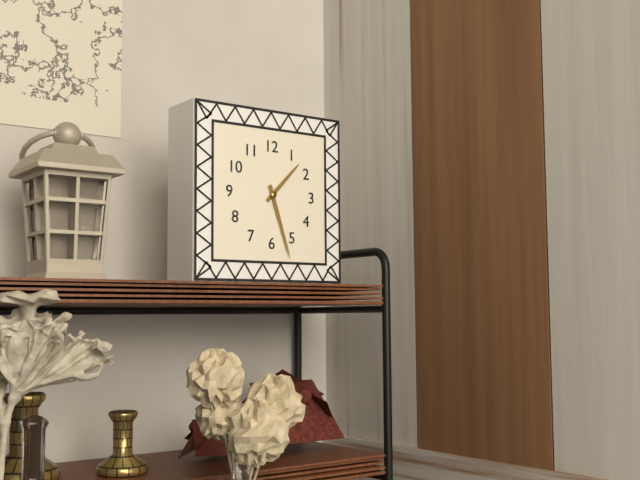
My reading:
**1:27**
